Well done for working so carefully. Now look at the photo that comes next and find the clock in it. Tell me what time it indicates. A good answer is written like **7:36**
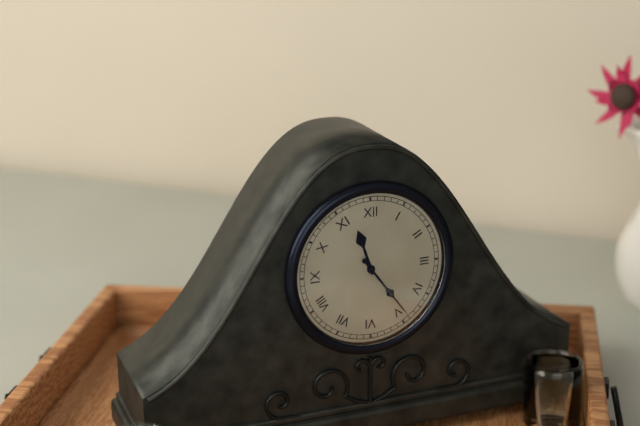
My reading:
**11:24**
